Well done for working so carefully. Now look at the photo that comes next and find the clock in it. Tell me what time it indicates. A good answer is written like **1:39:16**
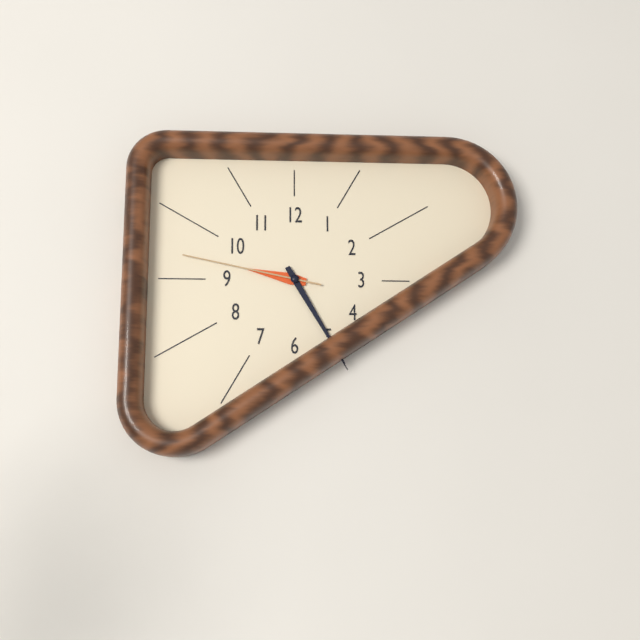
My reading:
**9:25:47**
